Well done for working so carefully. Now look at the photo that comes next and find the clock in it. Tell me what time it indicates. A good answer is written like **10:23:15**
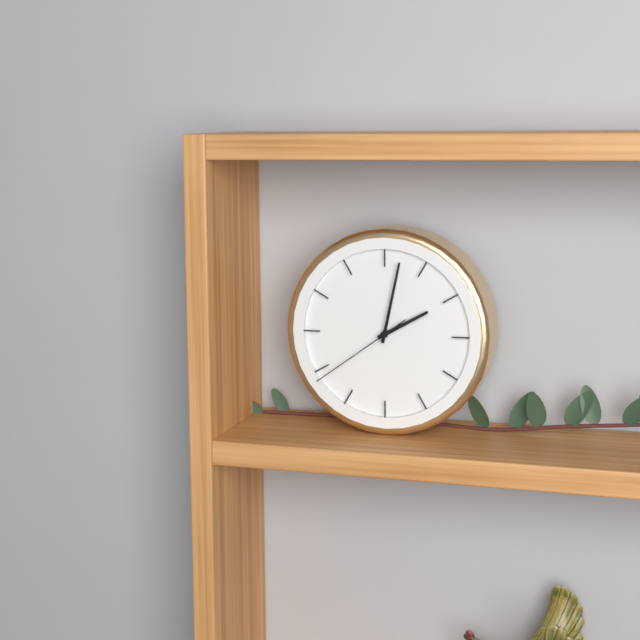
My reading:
**2:02:39**
